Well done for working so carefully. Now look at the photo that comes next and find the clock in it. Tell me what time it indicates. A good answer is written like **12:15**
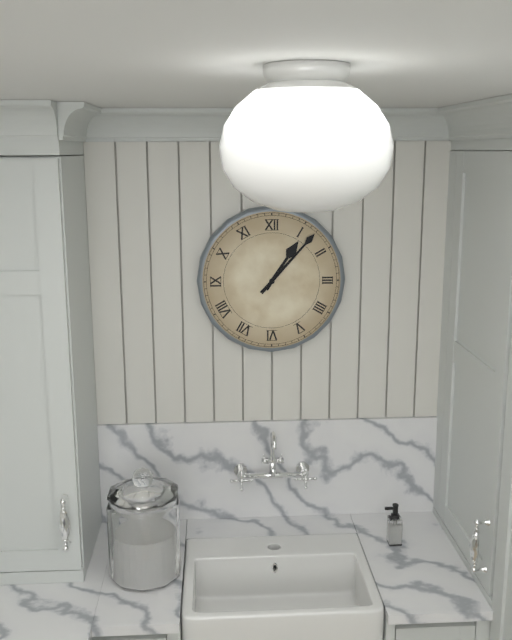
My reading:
**1:07**
